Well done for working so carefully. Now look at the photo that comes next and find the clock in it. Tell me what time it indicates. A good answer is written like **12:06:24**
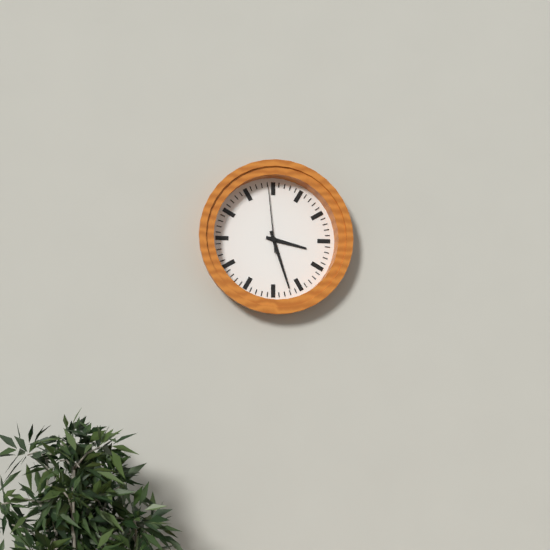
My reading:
**3:27:59**
